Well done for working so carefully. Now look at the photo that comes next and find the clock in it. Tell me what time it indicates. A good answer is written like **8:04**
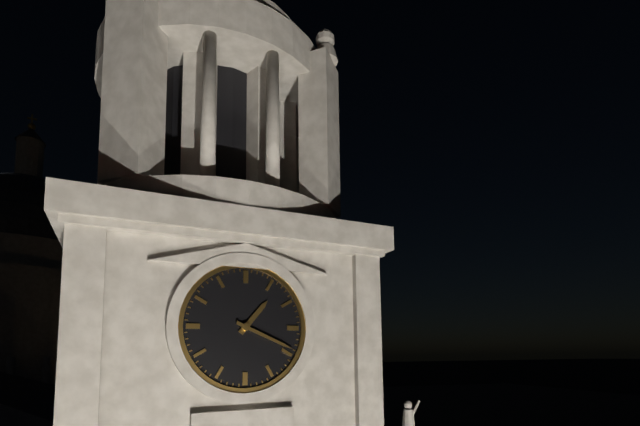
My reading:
**1:19**
